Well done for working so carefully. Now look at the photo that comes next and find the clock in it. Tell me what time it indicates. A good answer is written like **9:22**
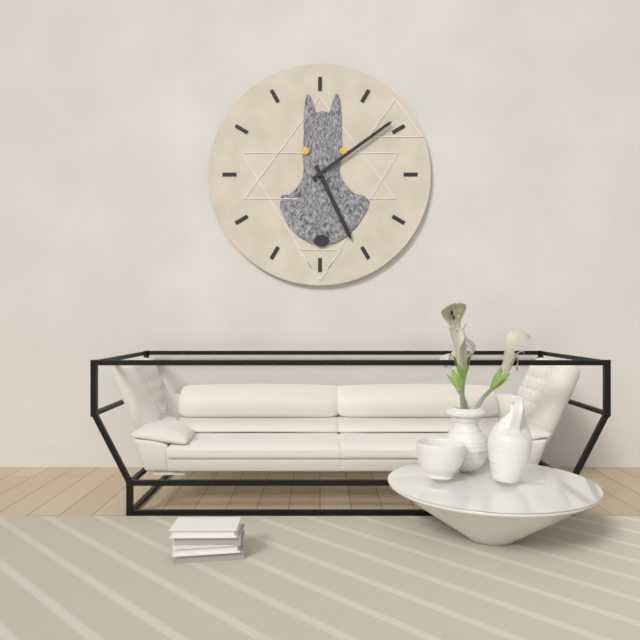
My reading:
**5:09**
